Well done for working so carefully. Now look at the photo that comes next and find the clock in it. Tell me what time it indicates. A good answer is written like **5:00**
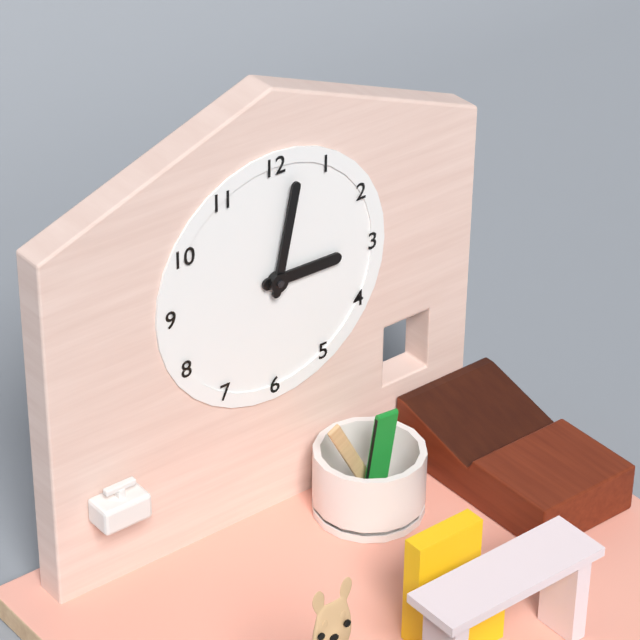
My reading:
**3:02**
